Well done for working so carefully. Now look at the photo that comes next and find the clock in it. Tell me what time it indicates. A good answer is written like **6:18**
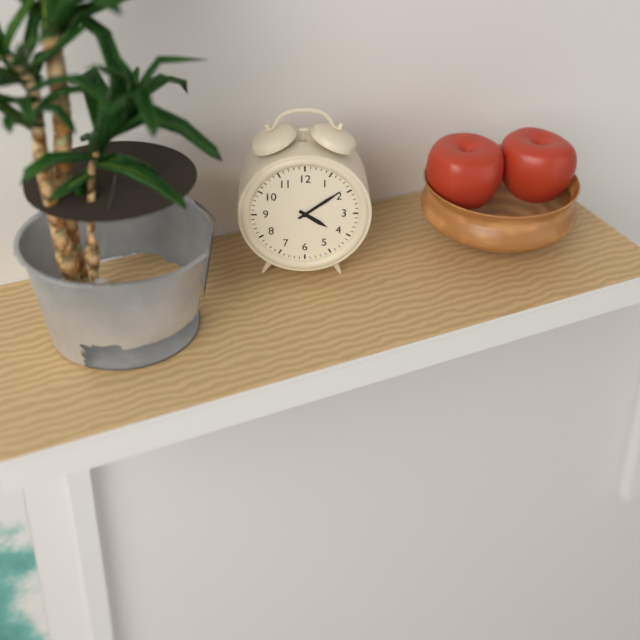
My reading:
**4:09**
